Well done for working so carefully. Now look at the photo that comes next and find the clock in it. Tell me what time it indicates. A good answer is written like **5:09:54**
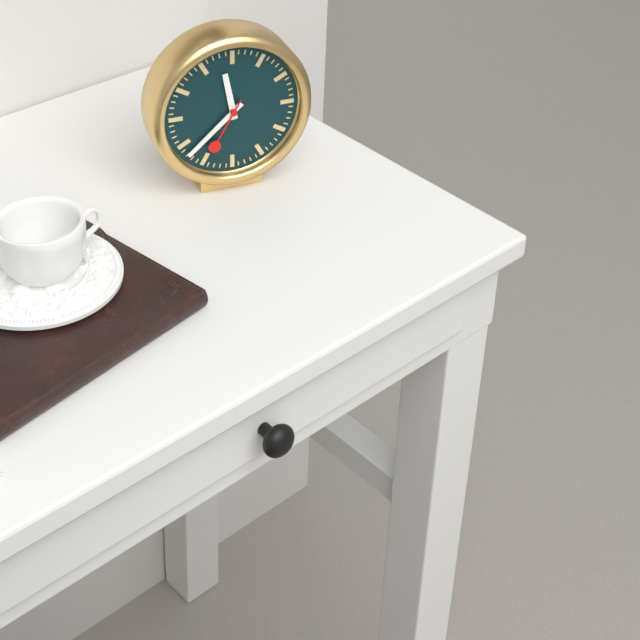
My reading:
**11:38:35**
